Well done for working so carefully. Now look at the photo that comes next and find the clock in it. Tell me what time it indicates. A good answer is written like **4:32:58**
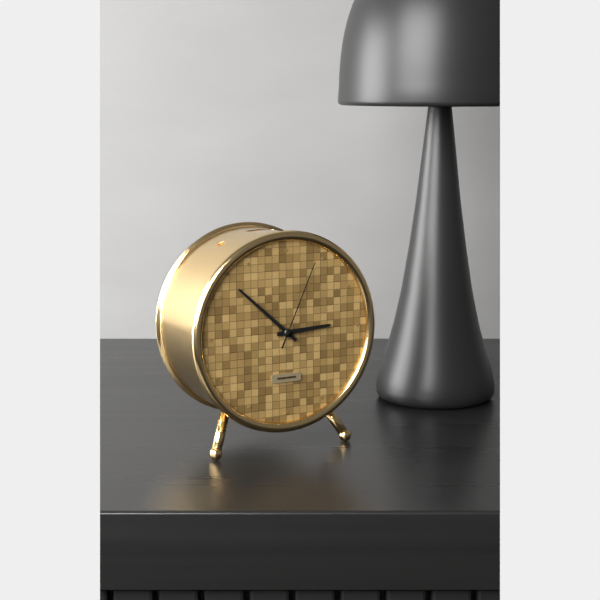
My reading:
**2:52:04**
